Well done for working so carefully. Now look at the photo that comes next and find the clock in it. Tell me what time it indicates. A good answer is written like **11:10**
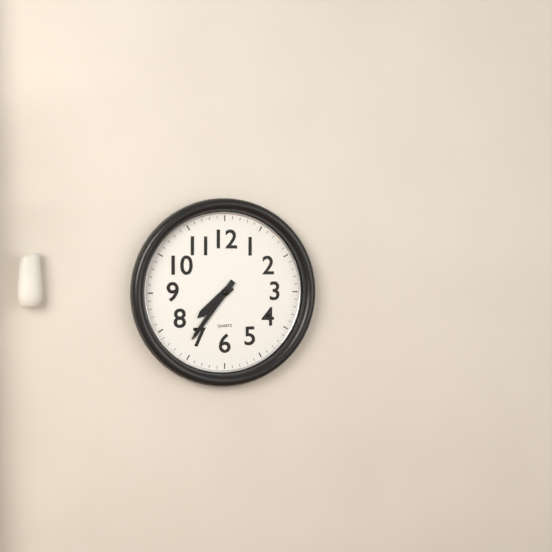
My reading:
**7:36**
